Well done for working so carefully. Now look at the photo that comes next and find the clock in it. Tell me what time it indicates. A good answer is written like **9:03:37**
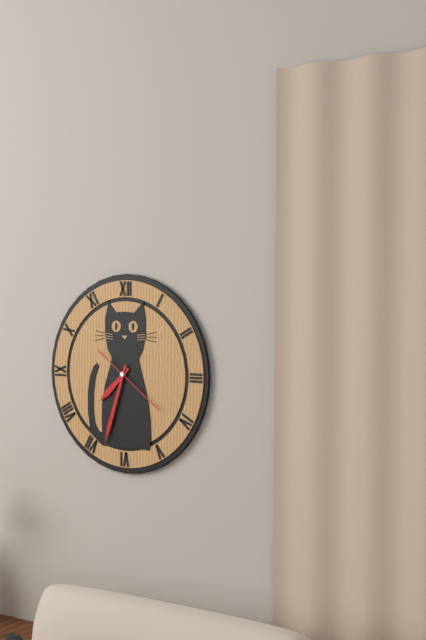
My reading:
**7:33:21**
